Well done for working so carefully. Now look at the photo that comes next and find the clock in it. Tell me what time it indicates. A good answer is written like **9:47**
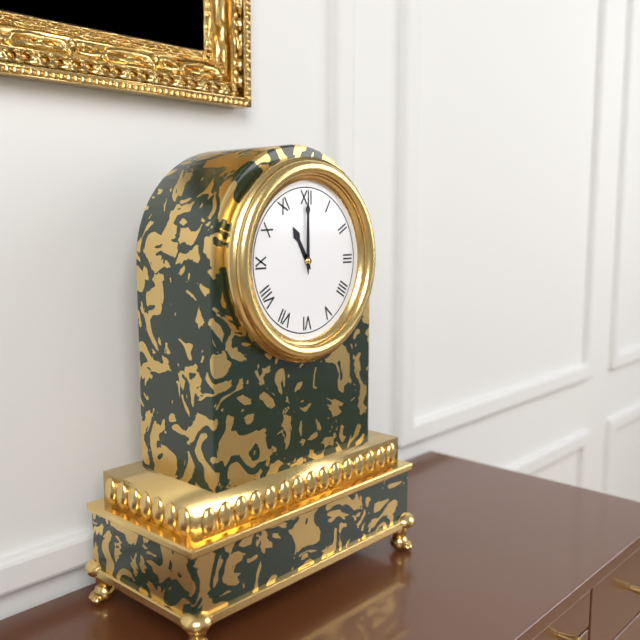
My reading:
**11:00**
